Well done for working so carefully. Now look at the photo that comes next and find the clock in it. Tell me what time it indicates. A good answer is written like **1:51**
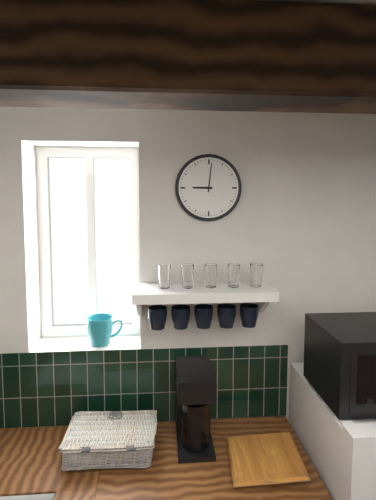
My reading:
**9:01**
